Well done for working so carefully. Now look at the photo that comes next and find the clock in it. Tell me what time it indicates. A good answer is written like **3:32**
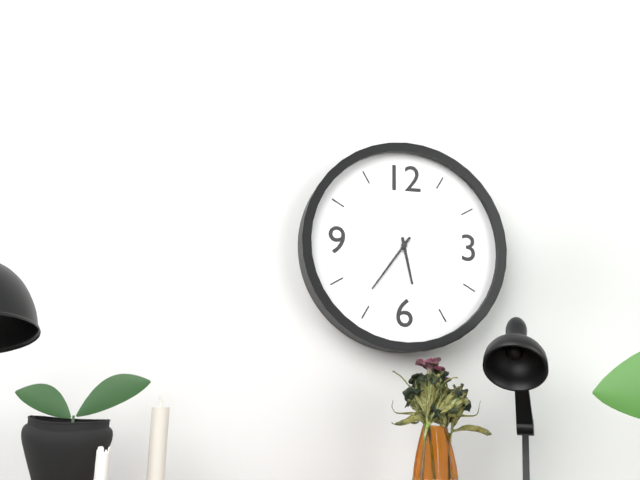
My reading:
**5:36**
